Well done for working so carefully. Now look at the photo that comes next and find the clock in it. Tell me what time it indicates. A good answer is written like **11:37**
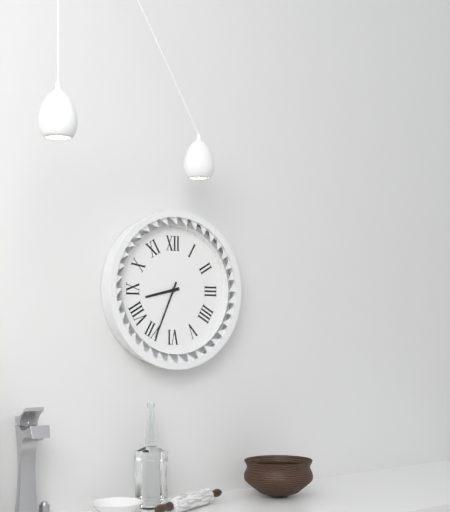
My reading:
**8:34**
